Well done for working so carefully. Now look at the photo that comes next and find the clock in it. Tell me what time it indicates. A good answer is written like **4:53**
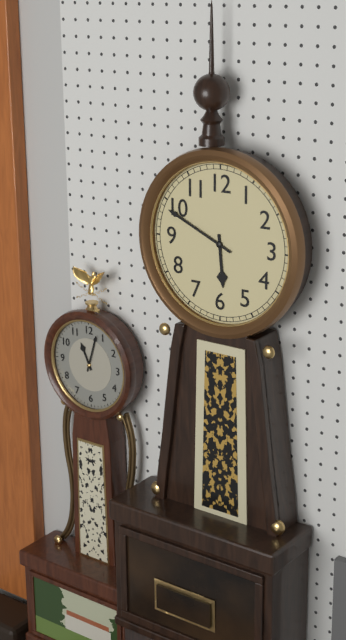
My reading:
**5:49**
